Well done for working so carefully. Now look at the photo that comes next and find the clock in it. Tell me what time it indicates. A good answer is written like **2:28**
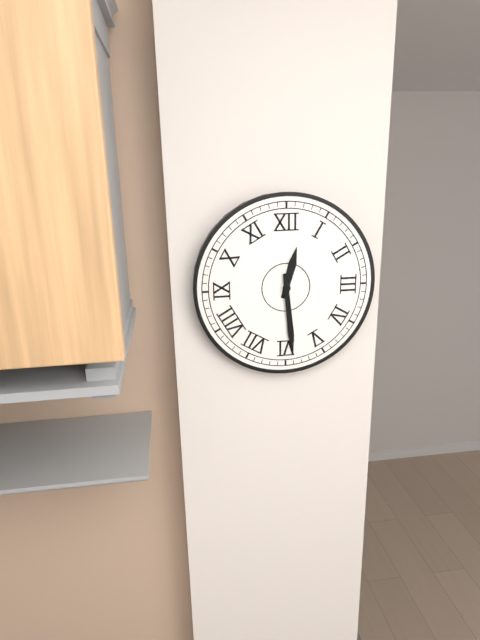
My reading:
**12:29**
